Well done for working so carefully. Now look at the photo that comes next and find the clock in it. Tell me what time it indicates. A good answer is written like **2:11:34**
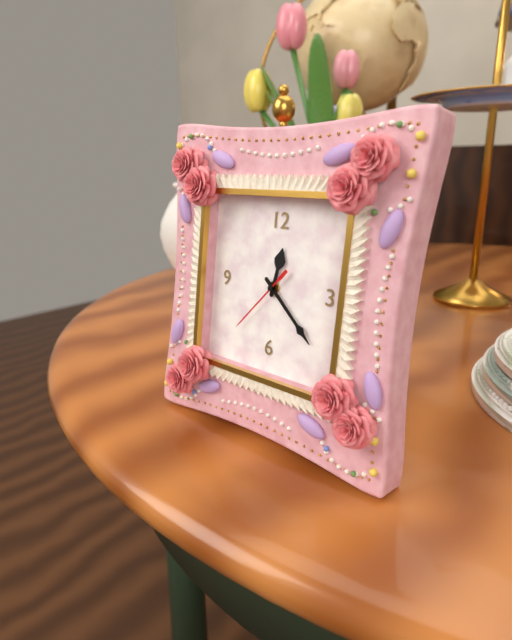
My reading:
**12:22:37**
